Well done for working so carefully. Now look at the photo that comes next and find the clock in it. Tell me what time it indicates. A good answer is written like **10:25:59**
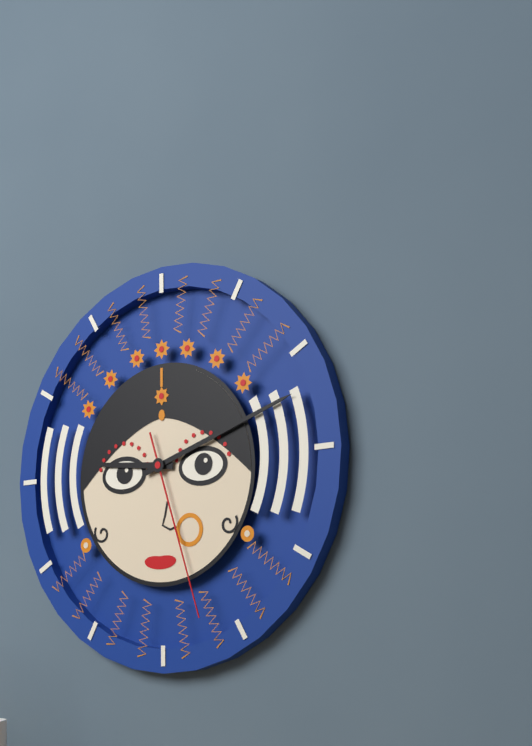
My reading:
**9:12:27**
